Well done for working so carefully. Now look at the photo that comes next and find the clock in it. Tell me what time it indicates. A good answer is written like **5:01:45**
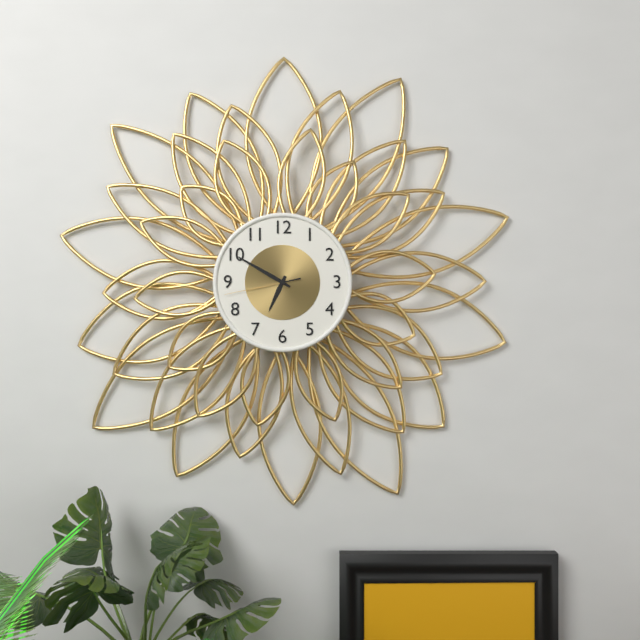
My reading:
**6:50:43**
